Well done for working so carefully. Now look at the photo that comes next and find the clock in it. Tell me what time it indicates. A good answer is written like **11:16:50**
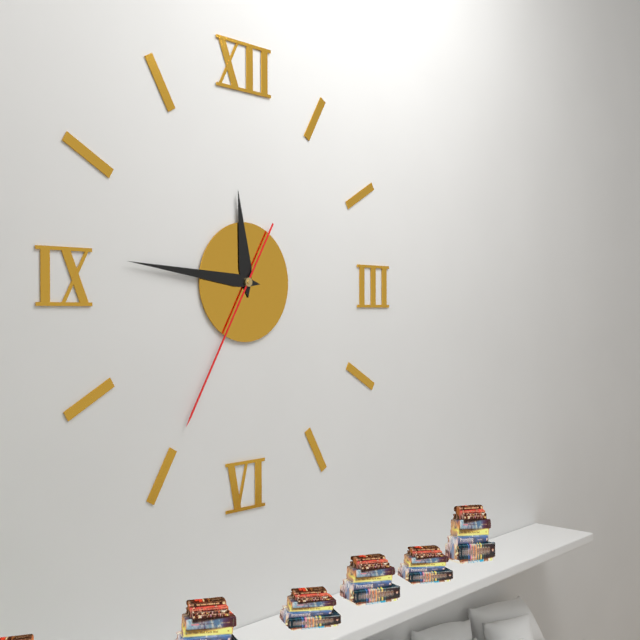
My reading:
**11:46:35**
